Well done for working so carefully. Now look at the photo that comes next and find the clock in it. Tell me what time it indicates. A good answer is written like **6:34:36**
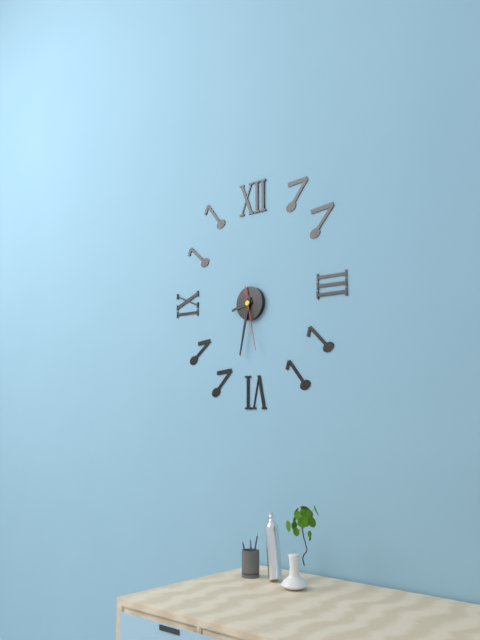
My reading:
**8:32:28**
